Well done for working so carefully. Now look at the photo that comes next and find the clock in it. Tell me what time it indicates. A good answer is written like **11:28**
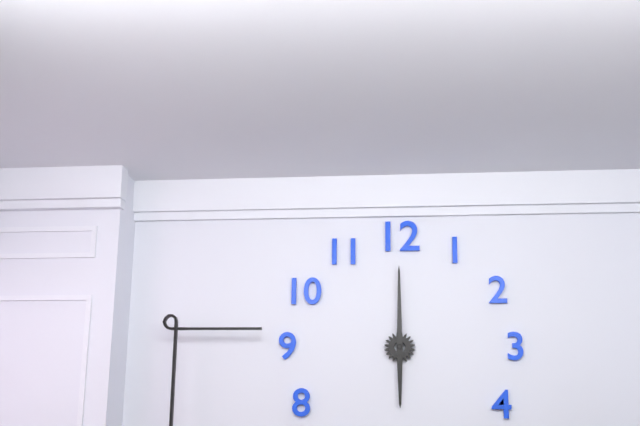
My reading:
**6:00**
